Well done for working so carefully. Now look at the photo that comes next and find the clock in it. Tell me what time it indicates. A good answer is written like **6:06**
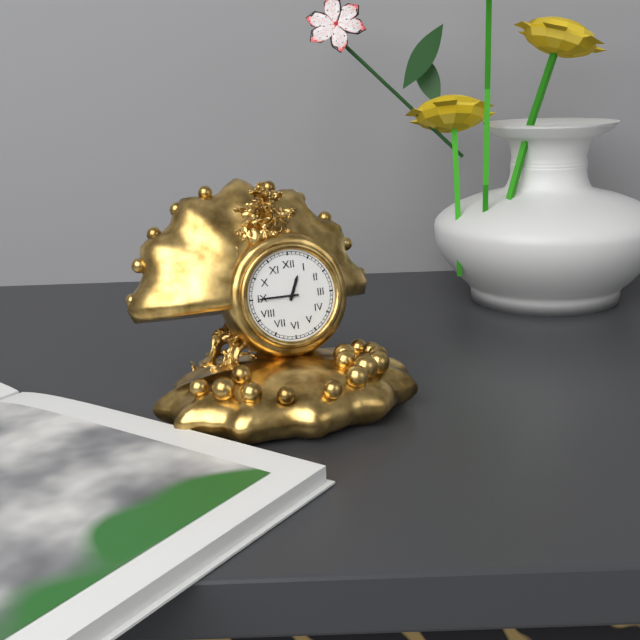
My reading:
**12:45**
